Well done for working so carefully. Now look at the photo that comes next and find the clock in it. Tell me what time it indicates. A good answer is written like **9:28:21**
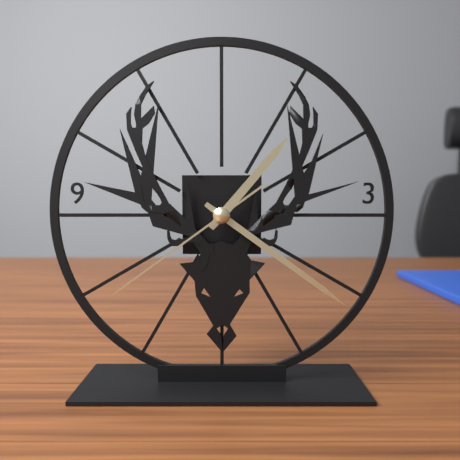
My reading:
**1:21:39**
